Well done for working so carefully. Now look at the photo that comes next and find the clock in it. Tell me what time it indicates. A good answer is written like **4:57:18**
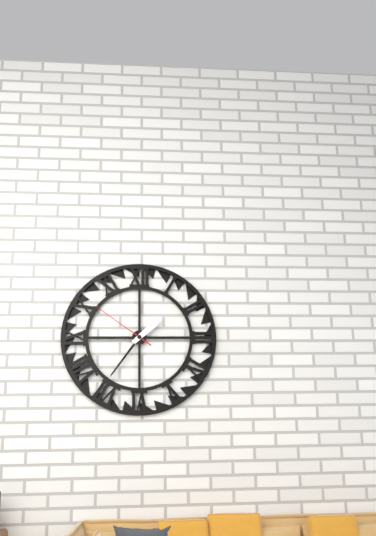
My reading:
**1:36:51**
